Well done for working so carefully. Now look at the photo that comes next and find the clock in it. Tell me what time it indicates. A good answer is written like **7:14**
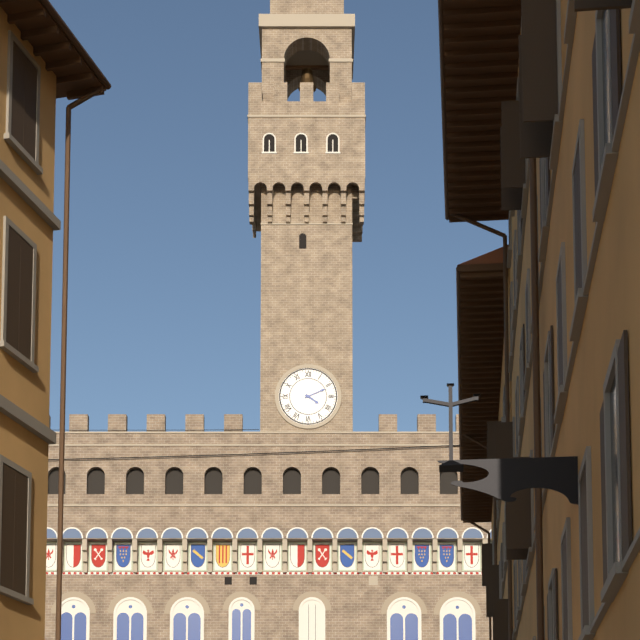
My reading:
**4:11**
